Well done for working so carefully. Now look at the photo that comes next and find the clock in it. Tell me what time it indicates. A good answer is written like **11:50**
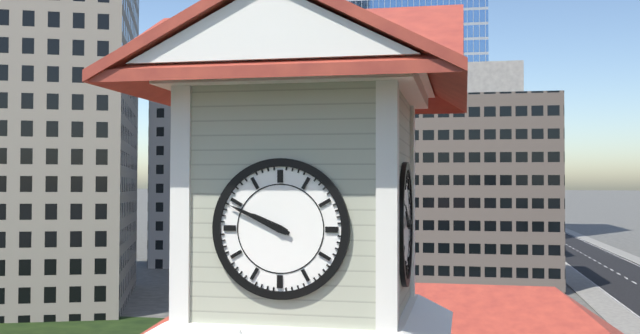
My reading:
**9:49**
